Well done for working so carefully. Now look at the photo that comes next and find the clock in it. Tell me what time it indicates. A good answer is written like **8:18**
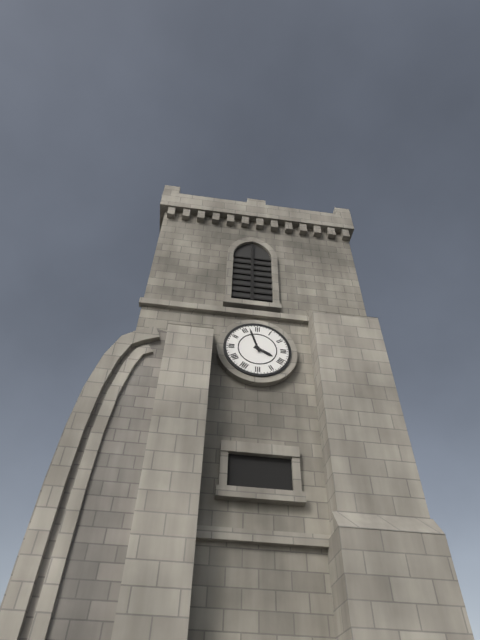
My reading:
**3:57**
